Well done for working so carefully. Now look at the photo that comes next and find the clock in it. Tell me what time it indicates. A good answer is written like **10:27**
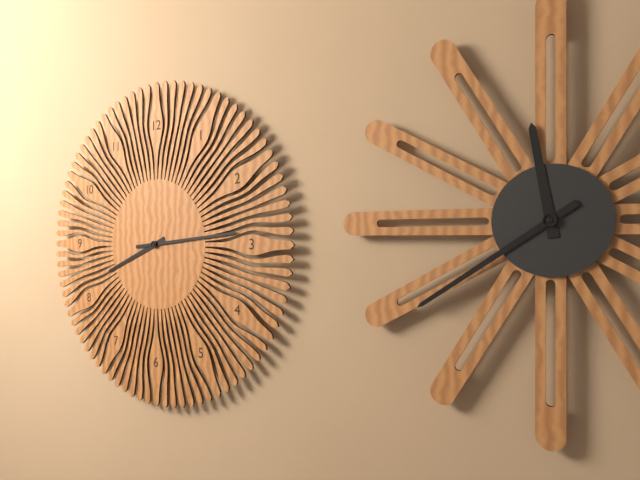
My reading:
**8:14**
